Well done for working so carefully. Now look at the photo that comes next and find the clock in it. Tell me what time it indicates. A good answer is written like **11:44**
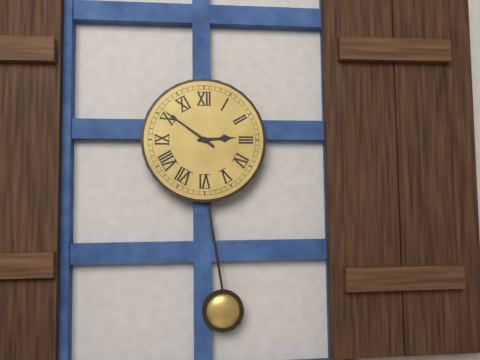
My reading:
**2:51**
